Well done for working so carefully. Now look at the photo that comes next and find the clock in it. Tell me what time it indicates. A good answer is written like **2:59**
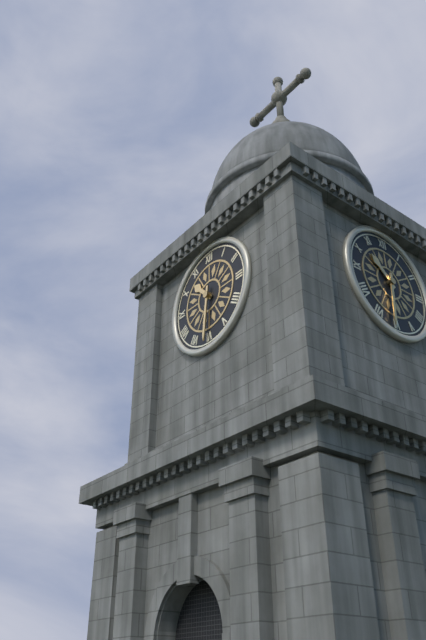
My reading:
**10:31**
